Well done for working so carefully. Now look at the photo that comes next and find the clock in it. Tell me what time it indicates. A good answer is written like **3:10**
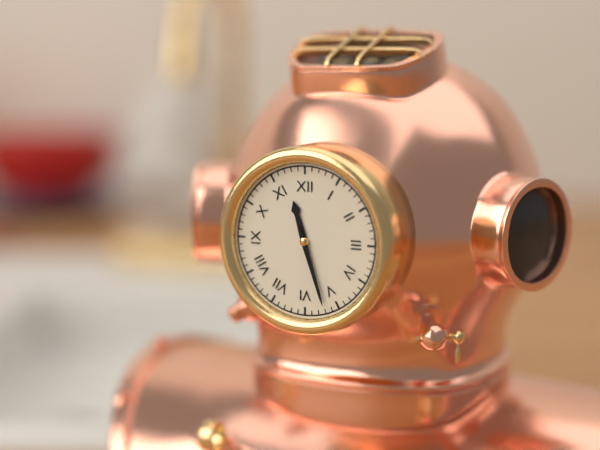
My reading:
**11:27**
